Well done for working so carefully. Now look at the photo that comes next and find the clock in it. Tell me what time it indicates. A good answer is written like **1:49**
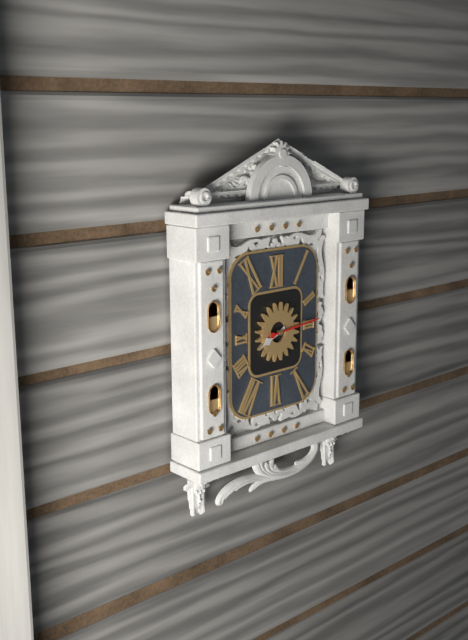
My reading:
**8:14**
